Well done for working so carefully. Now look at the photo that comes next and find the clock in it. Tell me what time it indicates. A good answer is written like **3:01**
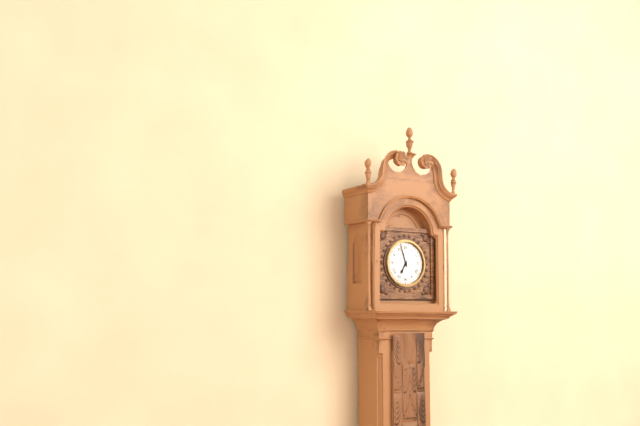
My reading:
**6:57**
